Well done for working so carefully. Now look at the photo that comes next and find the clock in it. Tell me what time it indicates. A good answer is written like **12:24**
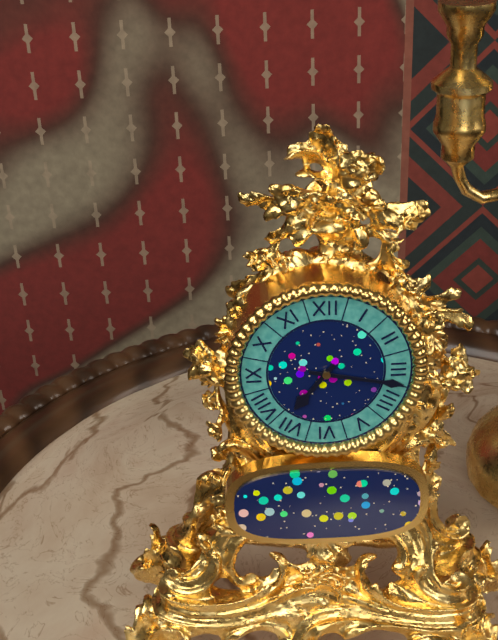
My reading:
**7:17**
